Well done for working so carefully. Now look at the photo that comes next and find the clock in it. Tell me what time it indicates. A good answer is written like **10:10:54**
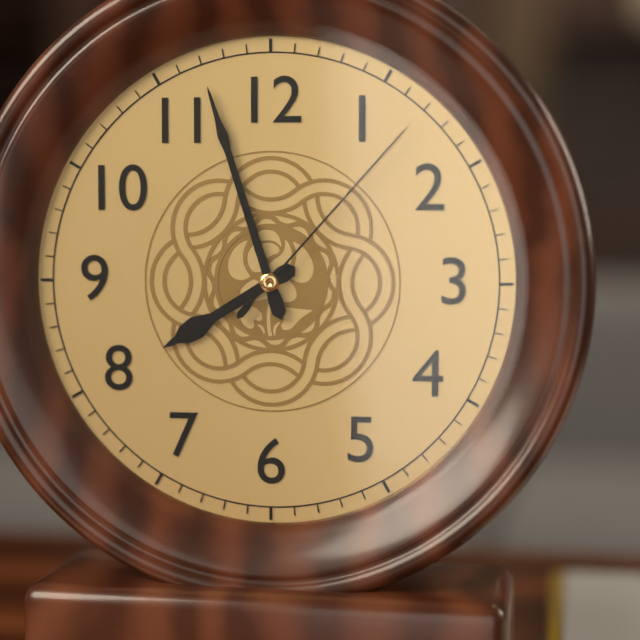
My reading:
**7:57:07**
